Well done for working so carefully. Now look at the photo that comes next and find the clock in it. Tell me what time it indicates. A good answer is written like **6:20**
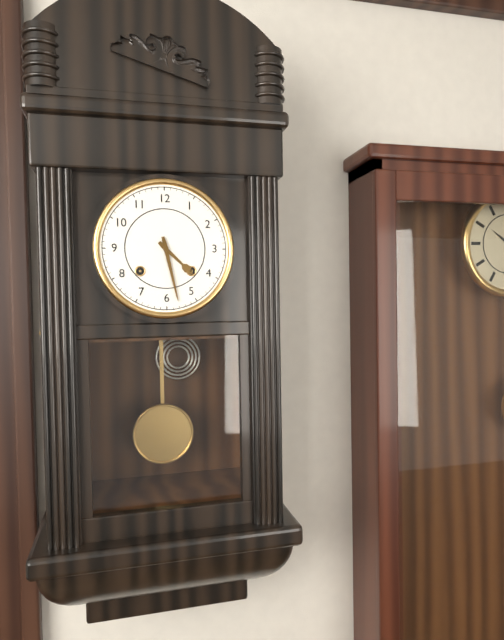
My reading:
**4:28**
